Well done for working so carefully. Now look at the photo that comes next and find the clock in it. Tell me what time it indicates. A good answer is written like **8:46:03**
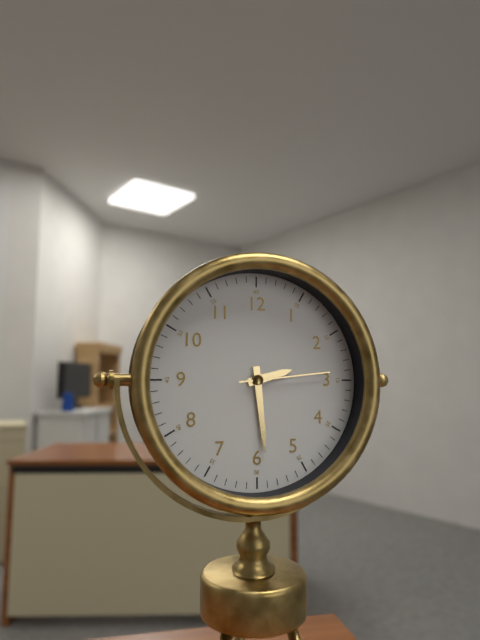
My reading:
**2:29:14**
